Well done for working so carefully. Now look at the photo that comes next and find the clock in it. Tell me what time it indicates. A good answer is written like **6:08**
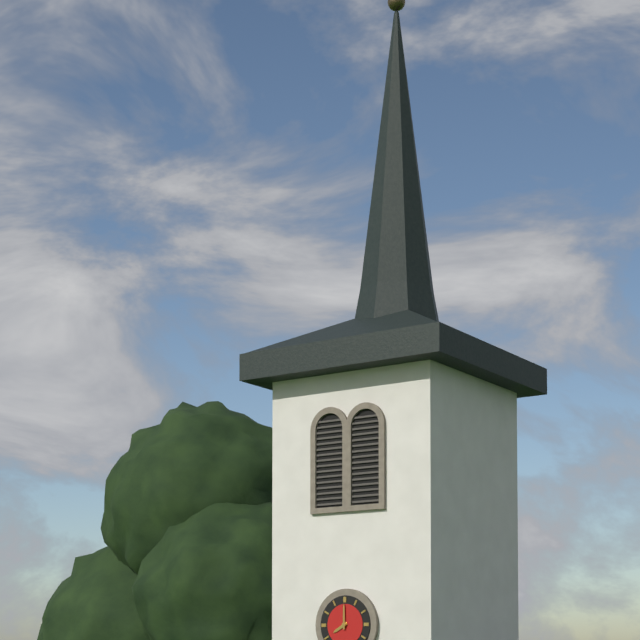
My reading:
**8:00**
